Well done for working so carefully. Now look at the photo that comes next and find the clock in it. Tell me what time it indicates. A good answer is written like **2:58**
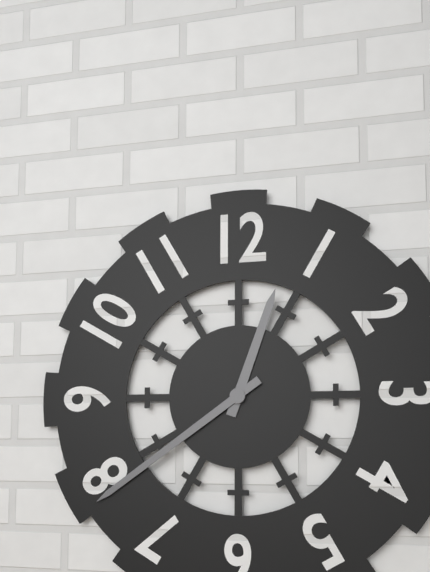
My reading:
**12:39**
